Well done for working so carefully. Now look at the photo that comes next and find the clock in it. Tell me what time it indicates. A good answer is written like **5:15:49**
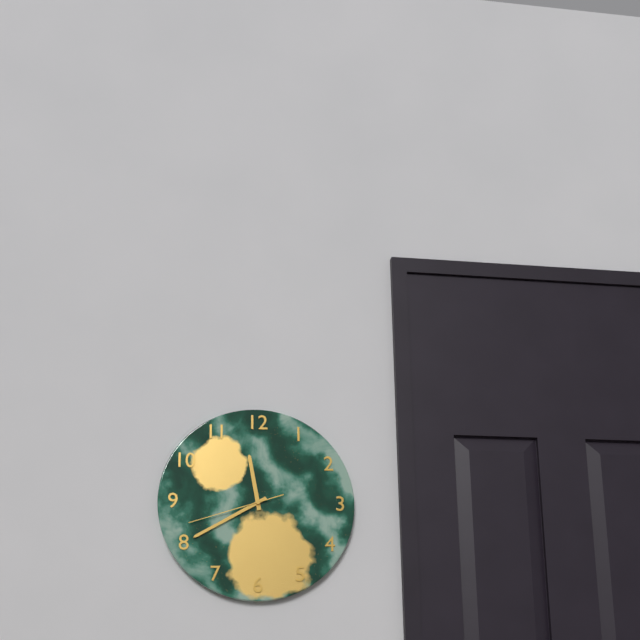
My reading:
**11:40:42**
